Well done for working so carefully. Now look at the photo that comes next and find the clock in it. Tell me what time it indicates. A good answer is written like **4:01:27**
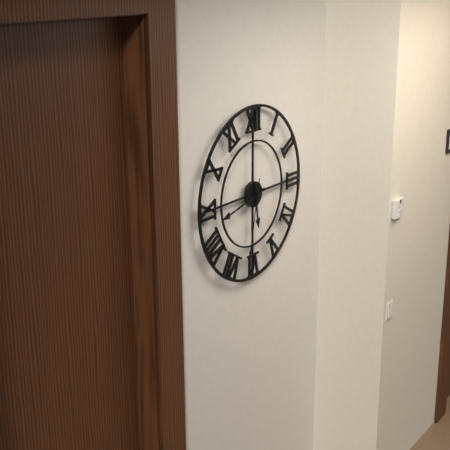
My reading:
**5:43:32**
